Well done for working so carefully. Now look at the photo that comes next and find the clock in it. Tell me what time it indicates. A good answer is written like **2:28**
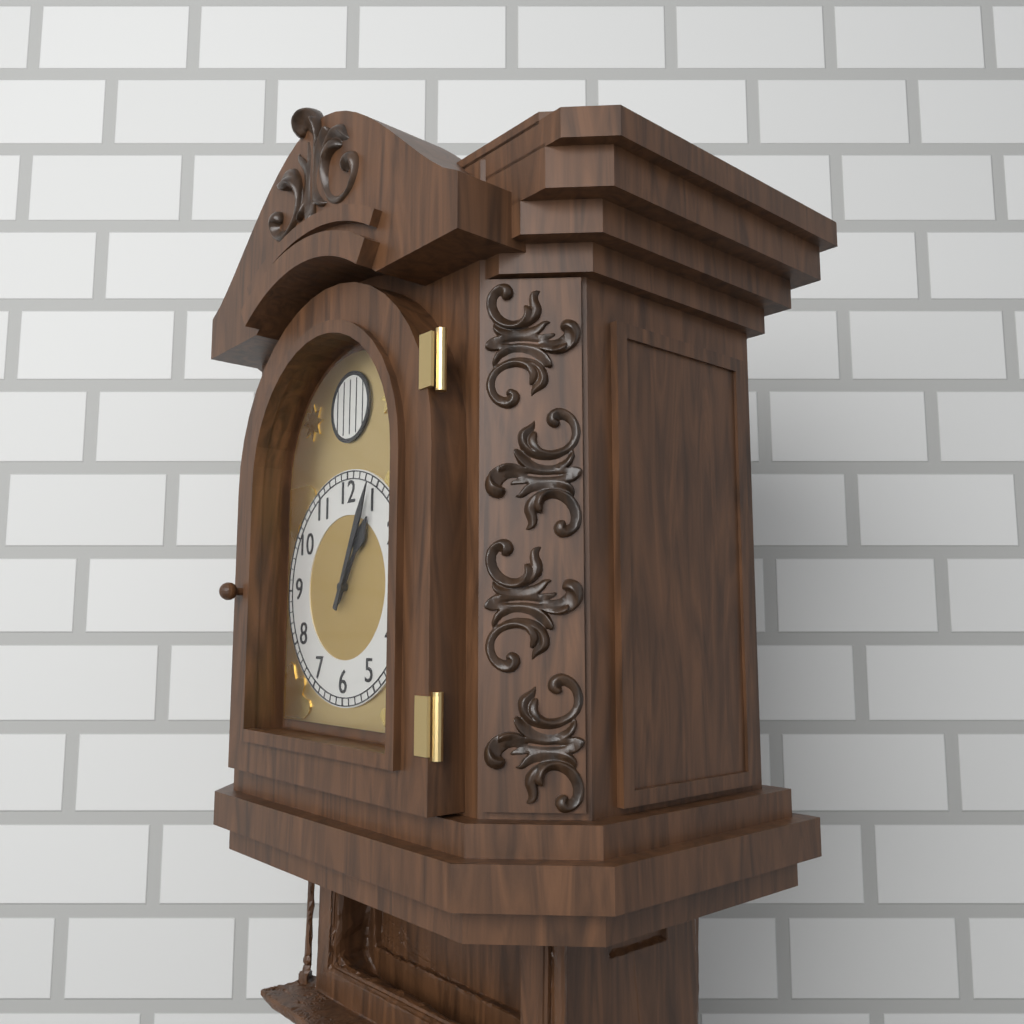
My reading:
**1:04**
